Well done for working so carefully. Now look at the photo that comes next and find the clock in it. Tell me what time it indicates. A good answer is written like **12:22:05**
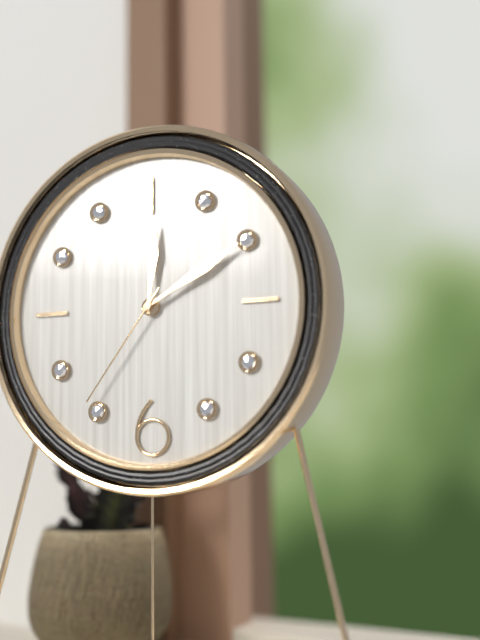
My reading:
**12:10:36**
